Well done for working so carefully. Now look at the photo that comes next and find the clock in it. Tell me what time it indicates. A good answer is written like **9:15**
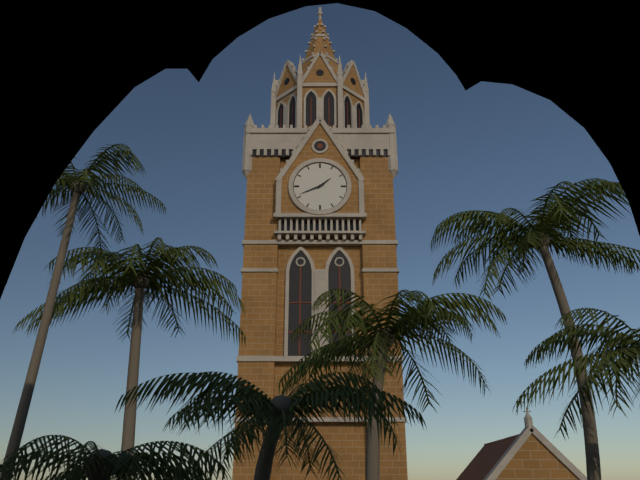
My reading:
**1:41**
